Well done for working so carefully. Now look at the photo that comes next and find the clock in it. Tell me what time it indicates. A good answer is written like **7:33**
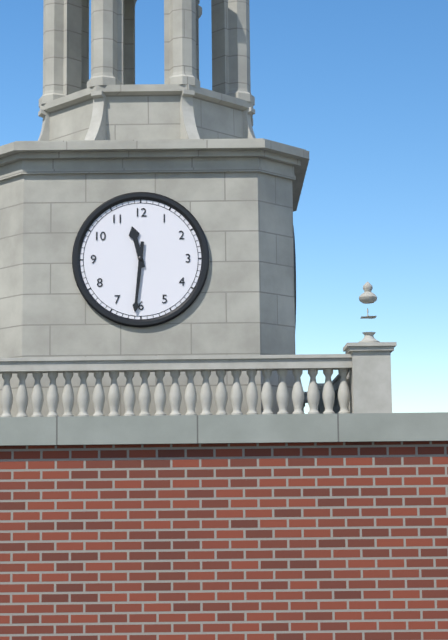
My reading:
**11:31**
